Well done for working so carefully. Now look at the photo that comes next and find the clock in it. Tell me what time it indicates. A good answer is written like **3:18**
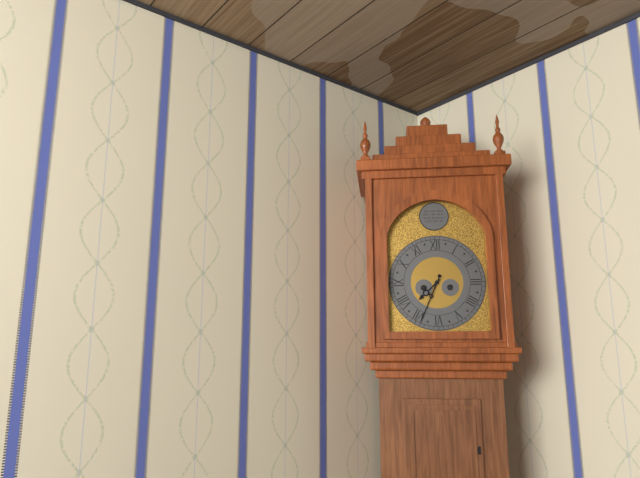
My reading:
**7:34**
